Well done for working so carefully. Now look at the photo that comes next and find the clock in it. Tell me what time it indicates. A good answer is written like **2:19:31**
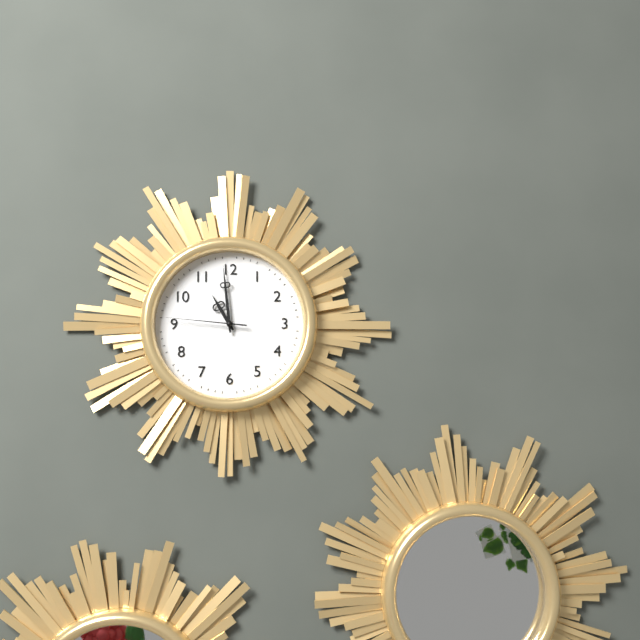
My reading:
**10:59:46**
